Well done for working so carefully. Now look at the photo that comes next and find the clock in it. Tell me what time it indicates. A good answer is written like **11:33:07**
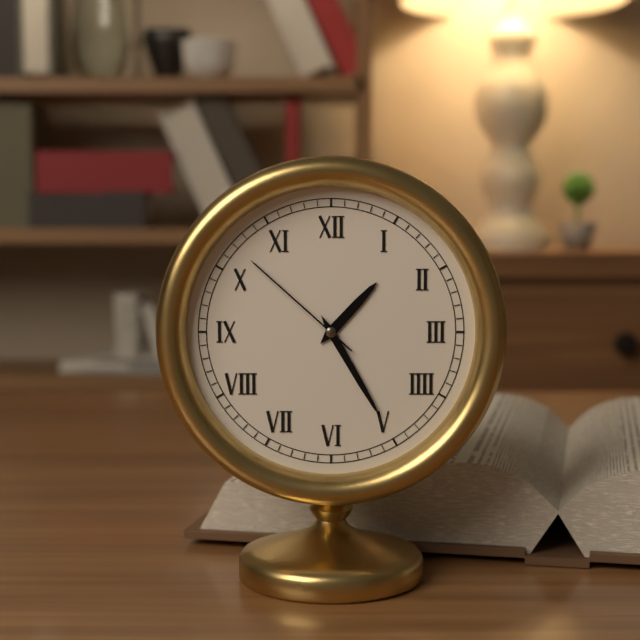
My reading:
**1:25:52**
